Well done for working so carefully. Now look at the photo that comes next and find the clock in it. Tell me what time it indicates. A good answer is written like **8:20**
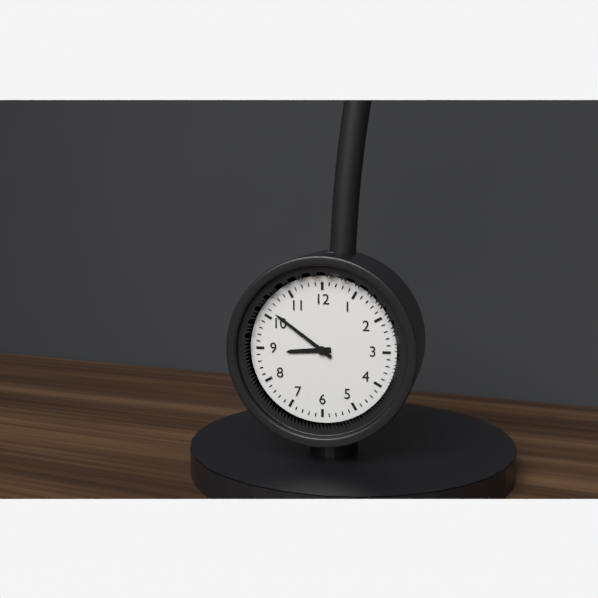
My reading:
**8:51**
